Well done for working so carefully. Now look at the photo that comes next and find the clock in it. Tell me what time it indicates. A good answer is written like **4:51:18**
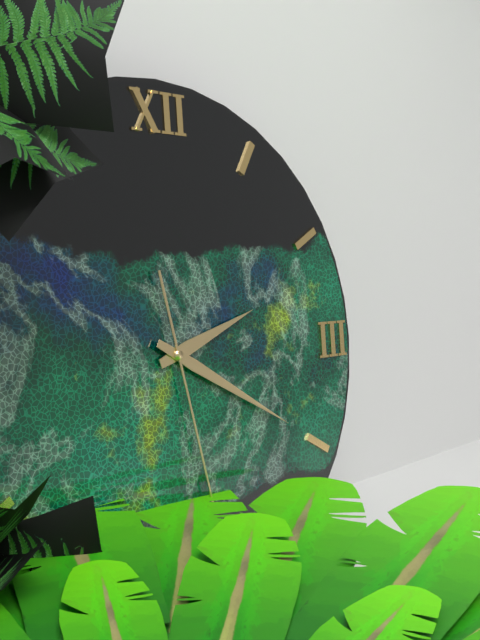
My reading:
**2:20:28**
